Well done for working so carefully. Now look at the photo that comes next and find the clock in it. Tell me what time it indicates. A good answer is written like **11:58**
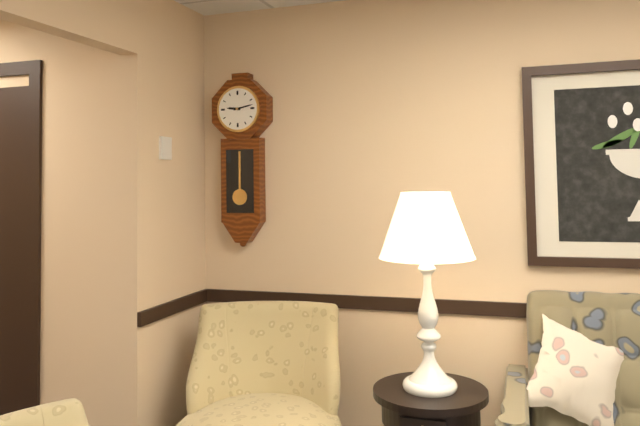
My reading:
**9:13**
